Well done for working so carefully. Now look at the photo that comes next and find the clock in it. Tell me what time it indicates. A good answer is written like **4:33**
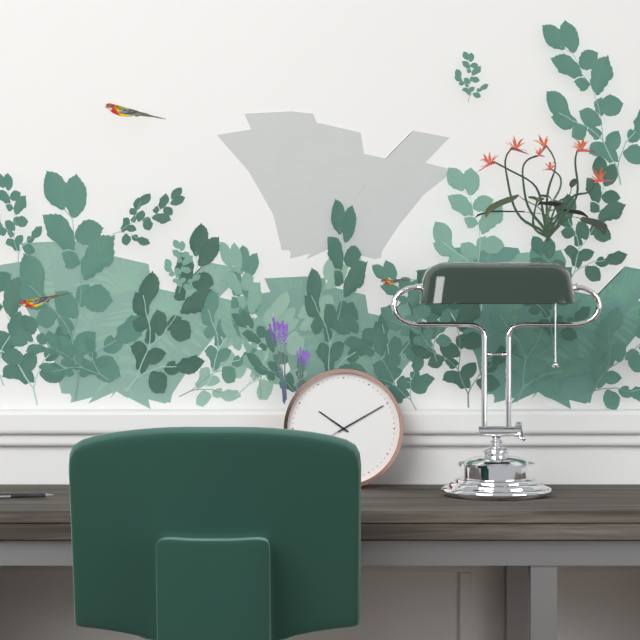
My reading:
**10:10**
